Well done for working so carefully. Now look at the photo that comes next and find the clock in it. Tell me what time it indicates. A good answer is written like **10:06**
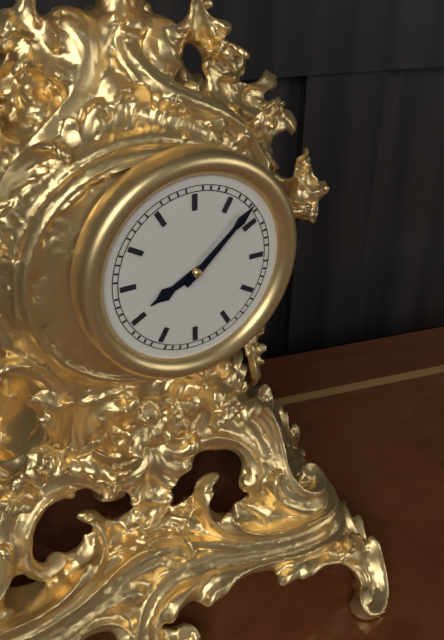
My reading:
**8:08**
